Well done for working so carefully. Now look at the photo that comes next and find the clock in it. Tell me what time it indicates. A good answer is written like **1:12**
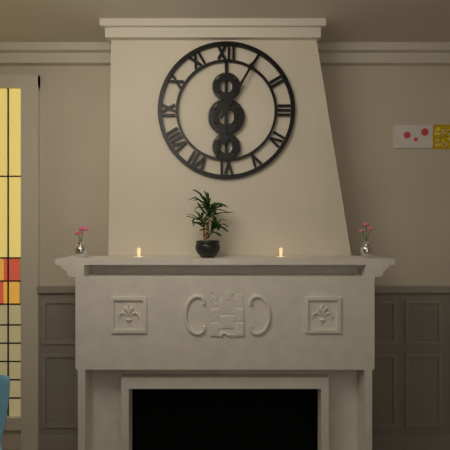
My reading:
**6:05**
